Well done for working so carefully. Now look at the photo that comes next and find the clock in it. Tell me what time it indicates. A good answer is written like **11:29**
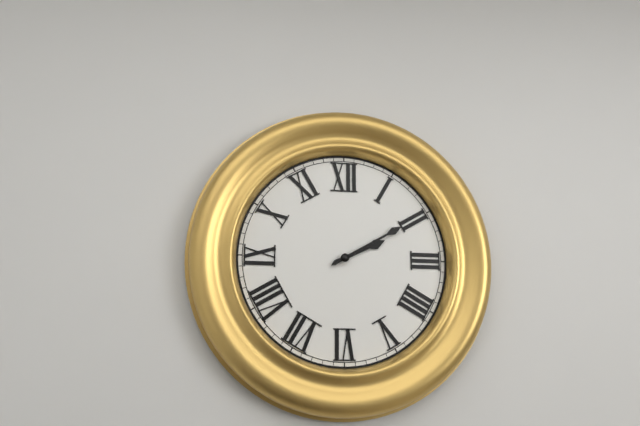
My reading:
**2:10**
